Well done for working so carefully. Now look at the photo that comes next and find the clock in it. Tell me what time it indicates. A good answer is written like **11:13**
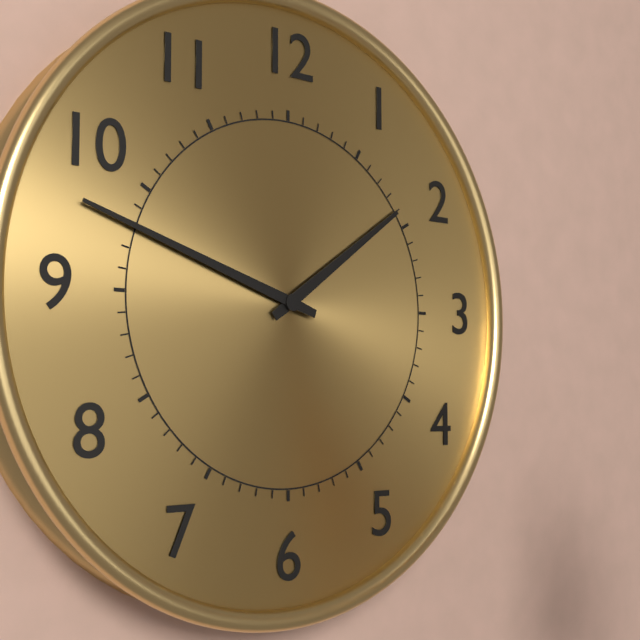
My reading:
**1:48**
